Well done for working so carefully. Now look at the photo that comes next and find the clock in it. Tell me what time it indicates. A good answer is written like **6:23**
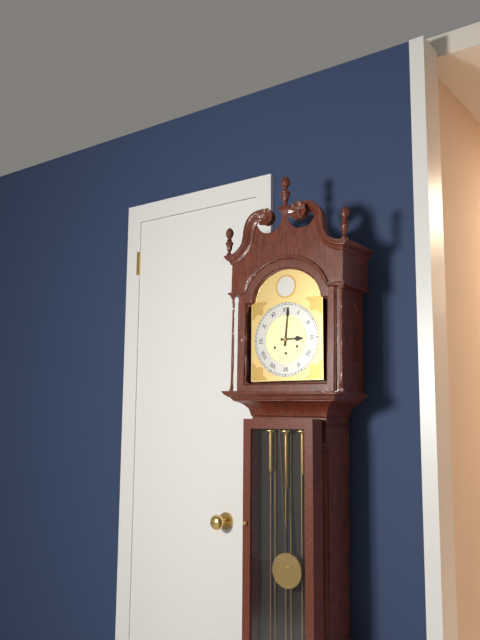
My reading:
**3:01**
